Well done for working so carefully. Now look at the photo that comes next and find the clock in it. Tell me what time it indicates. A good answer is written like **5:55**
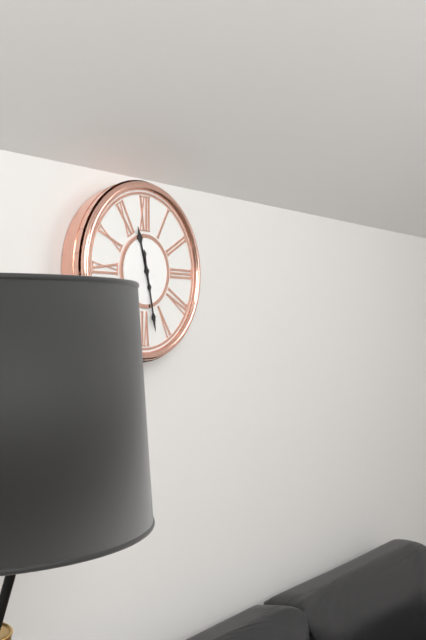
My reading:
**11:28**
